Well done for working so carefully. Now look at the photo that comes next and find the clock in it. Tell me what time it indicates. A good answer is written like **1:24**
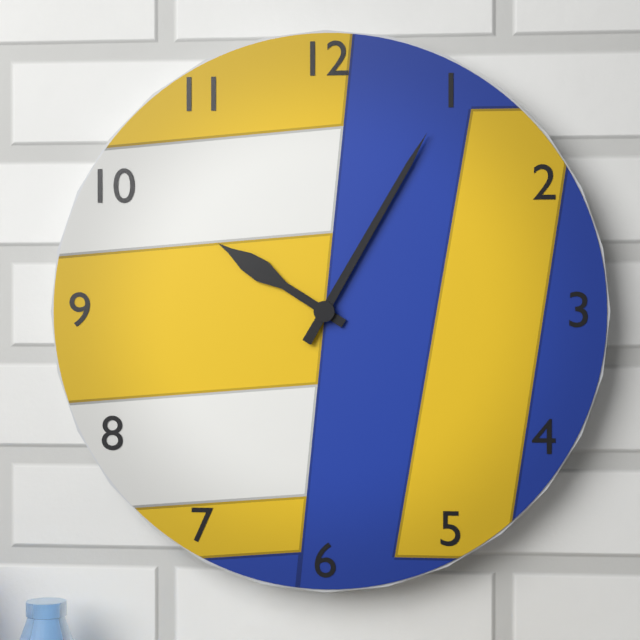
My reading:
**10:05**
